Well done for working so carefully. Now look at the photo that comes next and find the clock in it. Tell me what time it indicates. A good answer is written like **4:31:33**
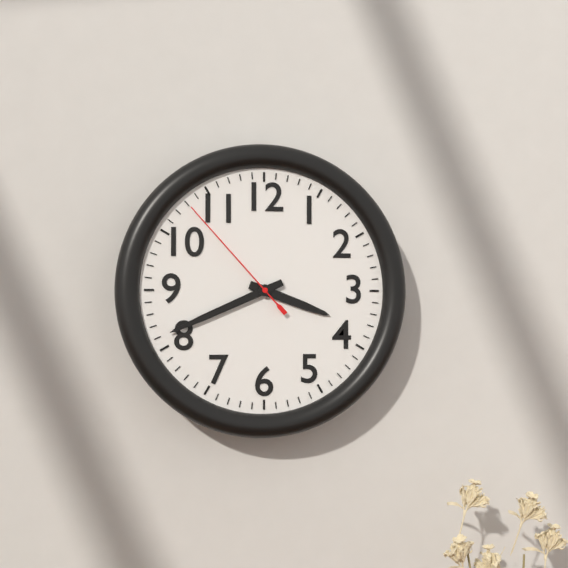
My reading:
**3:41:53**
